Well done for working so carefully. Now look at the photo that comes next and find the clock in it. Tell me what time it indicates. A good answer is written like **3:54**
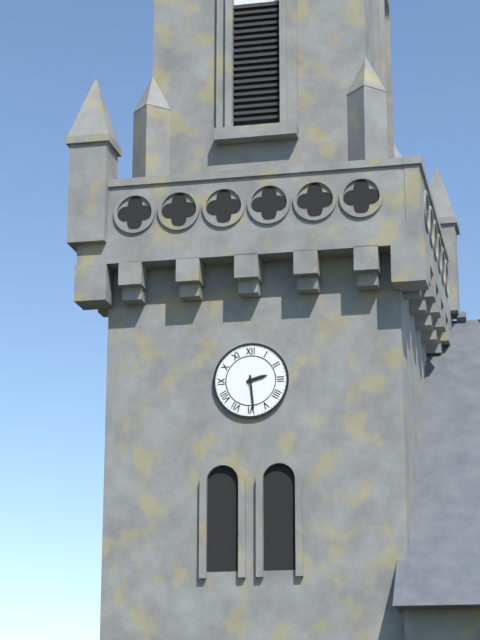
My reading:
**2:29**
